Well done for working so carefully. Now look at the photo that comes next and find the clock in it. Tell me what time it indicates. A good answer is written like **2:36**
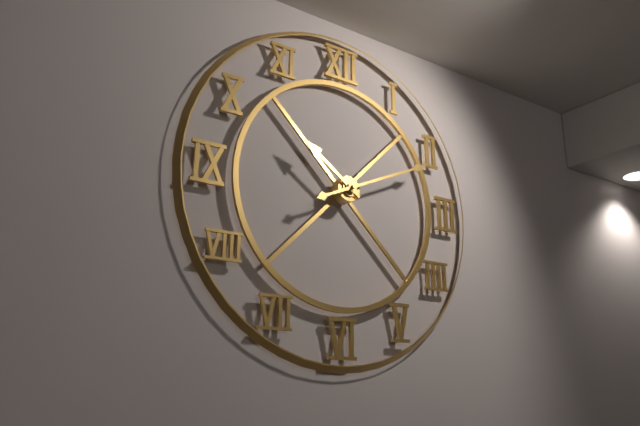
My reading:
**10:11**
